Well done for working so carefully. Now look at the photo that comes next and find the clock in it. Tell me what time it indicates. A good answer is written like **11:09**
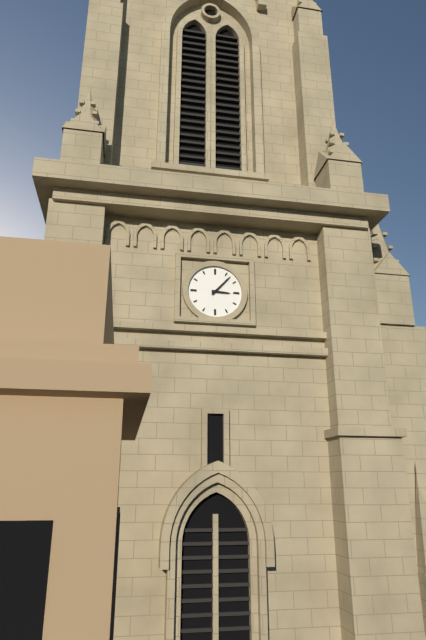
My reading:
**3:07**
